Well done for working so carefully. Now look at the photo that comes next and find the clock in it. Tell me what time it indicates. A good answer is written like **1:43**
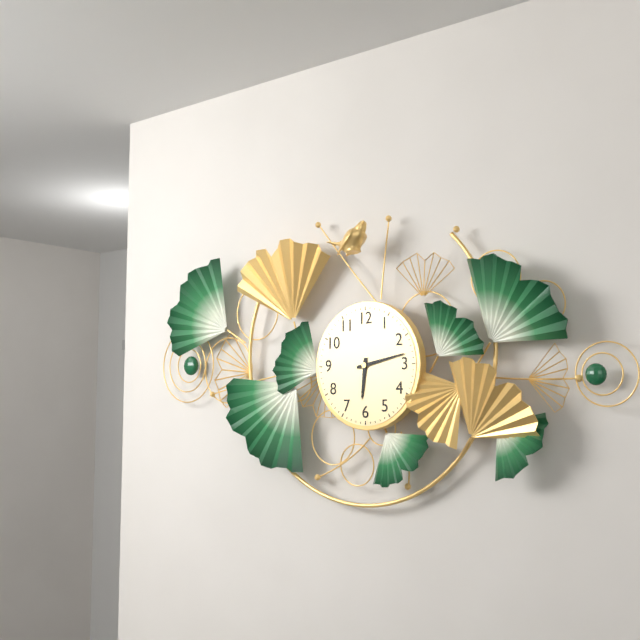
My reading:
**6:13**
